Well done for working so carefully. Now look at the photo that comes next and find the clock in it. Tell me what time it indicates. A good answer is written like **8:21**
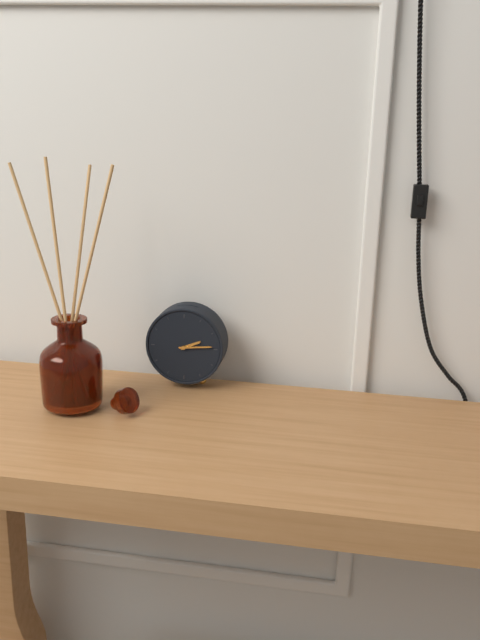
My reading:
**2:14**
